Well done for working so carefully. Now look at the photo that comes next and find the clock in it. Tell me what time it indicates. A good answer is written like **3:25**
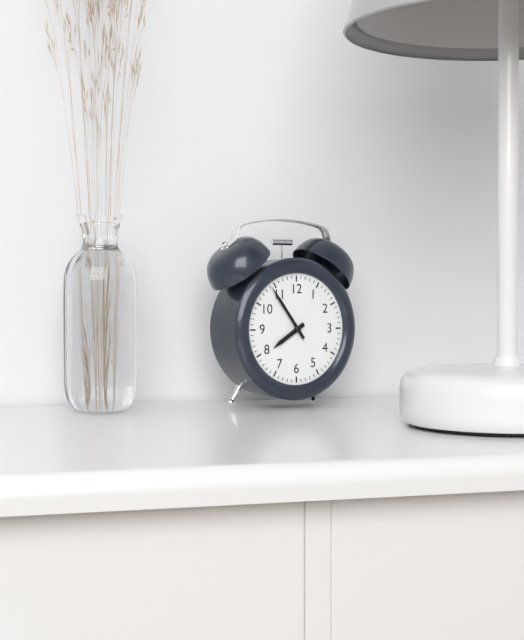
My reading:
**7:54**
